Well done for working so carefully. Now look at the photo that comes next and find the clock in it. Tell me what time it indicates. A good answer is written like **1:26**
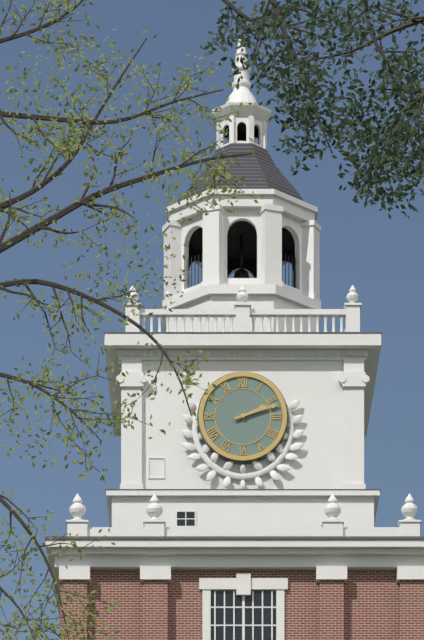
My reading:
**2:12**
